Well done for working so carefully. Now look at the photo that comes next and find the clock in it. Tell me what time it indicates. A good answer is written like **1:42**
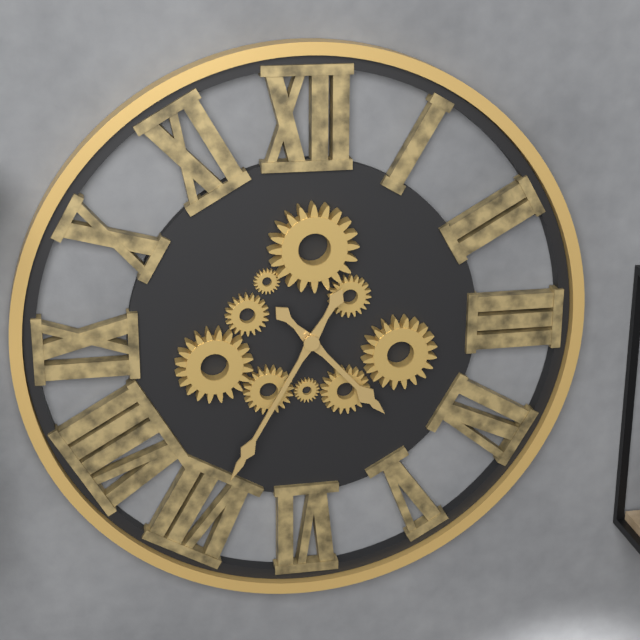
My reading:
**4:35**
